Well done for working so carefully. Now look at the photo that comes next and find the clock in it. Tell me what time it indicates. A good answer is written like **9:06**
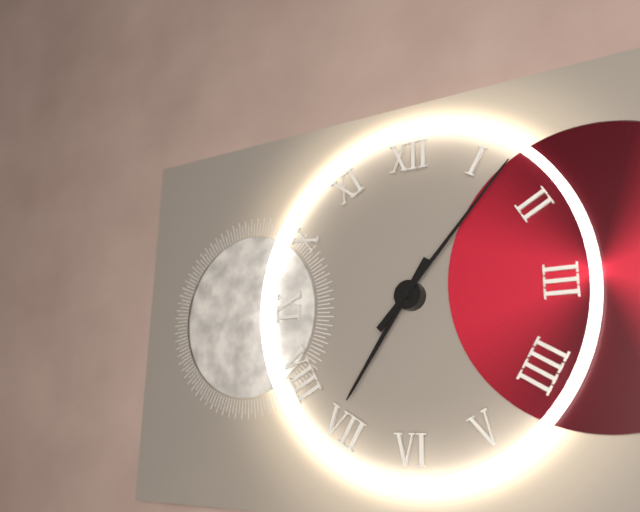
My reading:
**7:07**
